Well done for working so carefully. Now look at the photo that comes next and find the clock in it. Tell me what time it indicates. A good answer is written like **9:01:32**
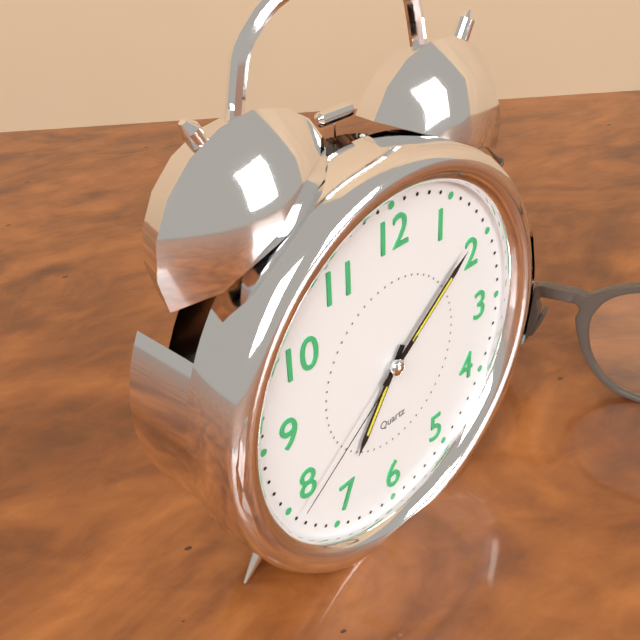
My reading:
**7:09:39**
